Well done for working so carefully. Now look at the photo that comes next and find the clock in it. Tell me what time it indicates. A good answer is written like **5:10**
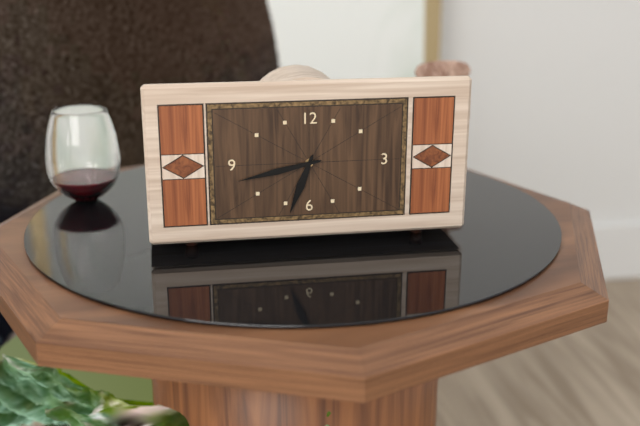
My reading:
**6:43**
